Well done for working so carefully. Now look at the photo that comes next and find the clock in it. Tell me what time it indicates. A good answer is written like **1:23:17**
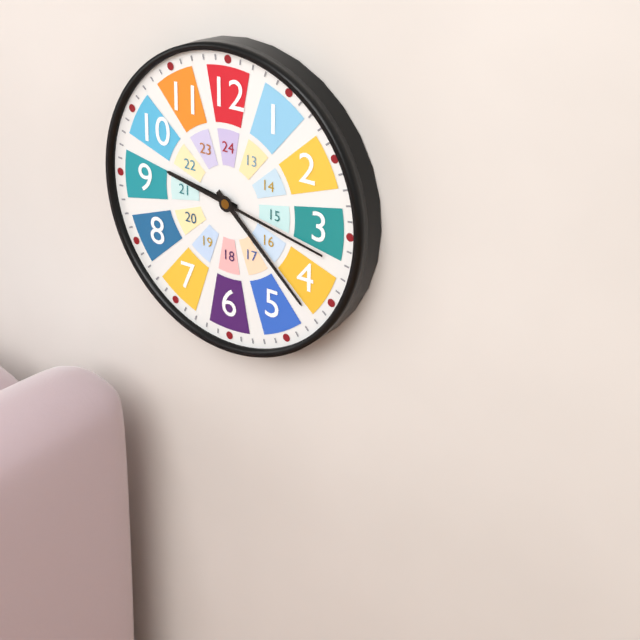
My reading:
**9:22:17**
